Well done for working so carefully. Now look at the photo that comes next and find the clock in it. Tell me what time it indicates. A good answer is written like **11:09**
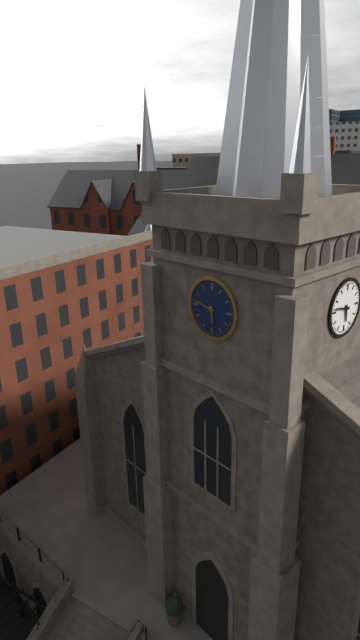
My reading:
**5:47**
